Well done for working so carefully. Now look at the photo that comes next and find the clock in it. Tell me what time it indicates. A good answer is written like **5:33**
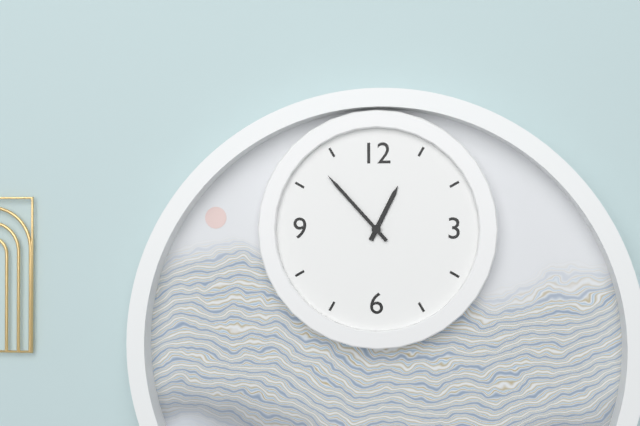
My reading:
**12:53**
